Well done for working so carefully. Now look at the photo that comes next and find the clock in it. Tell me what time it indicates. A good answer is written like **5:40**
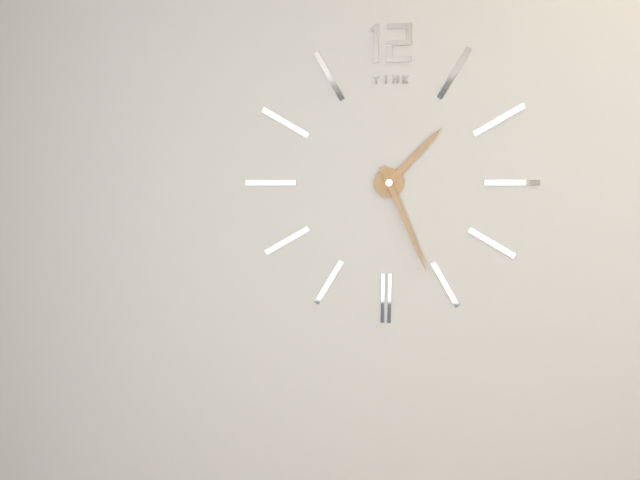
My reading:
**1:26**
